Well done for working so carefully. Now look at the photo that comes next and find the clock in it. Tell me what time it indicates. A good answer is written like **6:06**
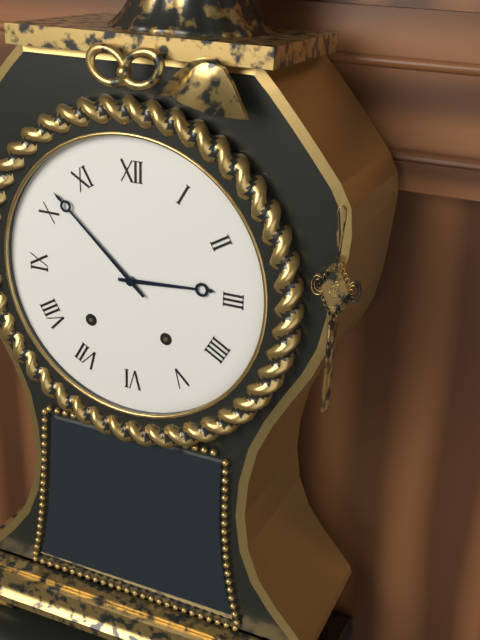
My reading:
**2:52**
